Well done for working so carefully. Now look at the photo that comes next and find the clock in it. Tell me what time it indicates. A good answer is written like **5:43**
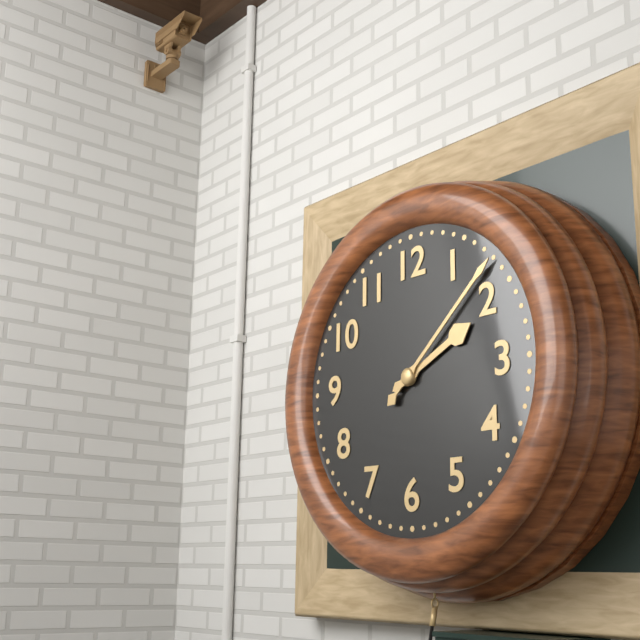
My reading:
**2:08**
